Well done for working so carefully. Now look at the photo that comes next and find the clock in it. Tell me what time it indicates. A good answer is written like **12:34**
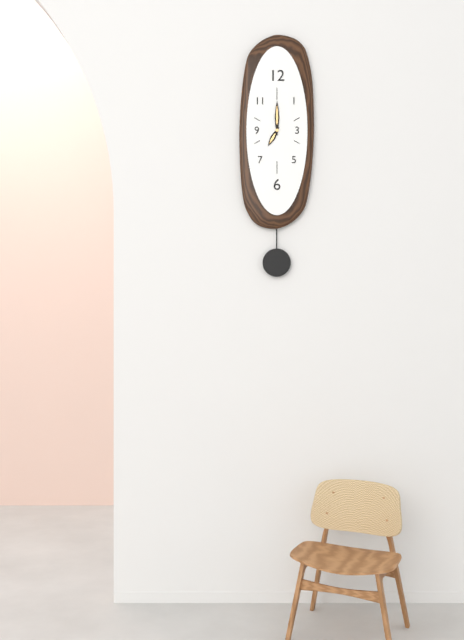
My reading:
**7:00**
